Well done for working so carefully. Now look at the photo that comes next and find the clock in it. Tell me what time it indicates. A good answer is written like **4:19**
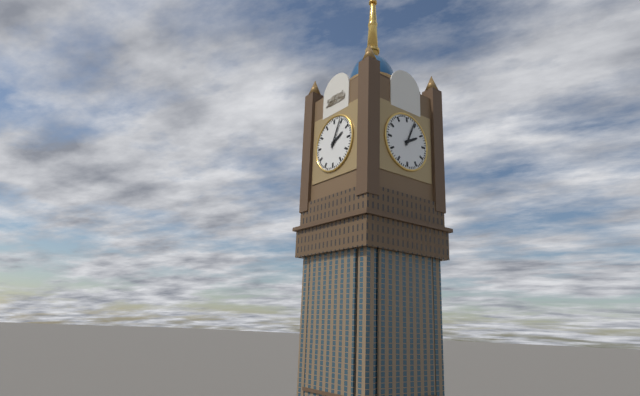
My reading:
**2:04**
